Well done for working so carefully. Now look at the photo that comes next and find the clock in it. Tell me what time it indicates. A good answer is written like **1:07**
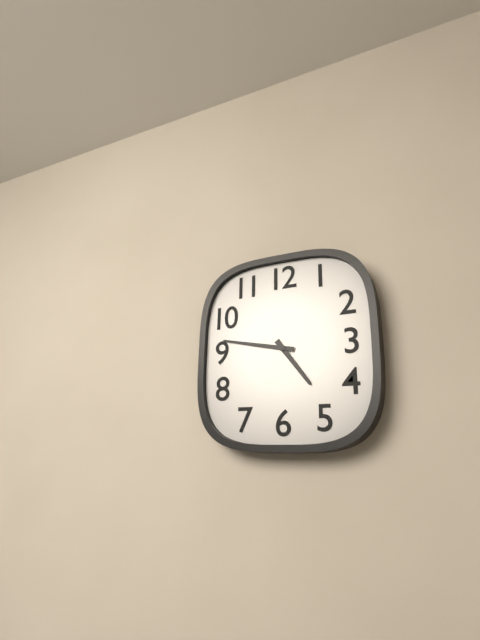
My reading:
**4:47**
